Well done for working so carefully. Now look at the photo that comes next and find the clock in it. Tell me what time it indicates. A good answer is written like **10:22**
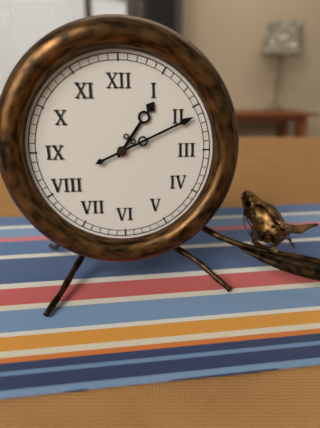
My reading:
**1:11**
